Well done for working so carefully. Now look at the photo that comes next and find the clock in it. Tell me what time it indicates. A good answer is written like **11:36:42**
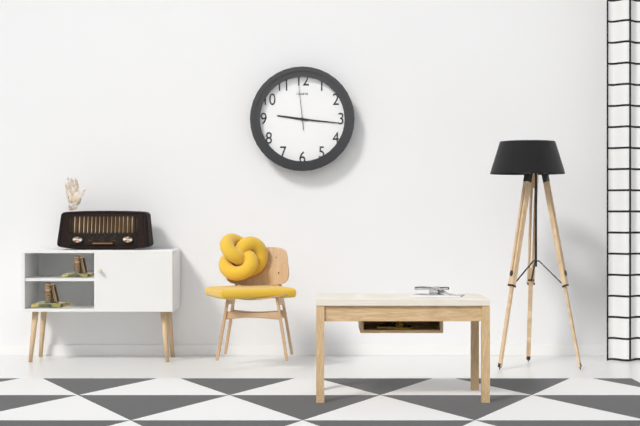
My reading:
**9:16:59**
